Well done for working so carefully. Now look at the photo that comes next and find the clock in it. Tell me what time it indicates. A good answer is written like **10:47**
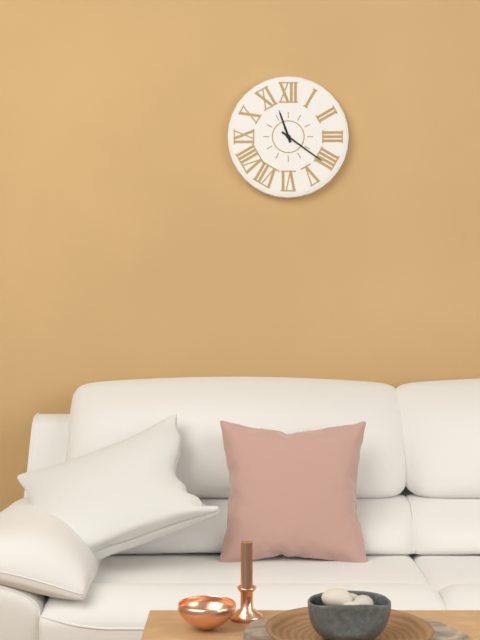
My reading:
**11:21**
